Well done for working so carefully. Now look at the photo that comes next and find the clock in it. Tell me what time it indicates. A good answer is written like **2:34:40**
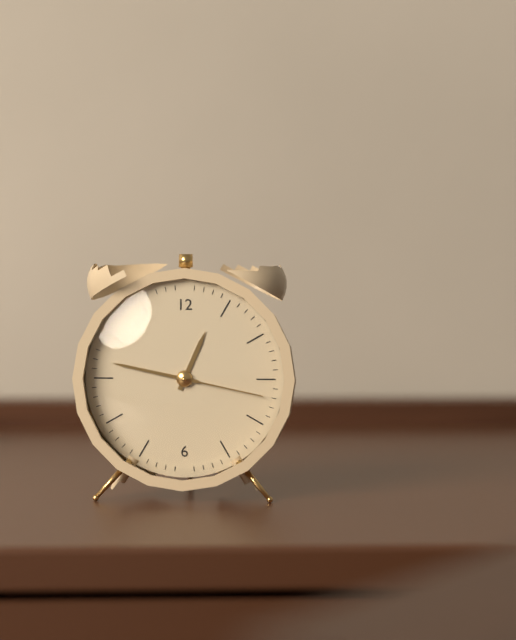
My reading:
**12:47:17**
